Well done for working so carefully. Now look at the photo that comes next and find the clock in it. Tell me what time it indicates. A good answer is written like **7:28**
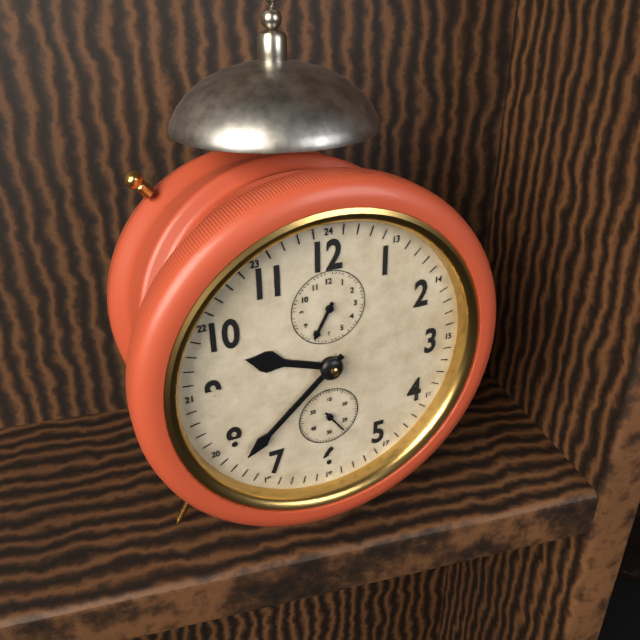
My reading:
**9:38**
